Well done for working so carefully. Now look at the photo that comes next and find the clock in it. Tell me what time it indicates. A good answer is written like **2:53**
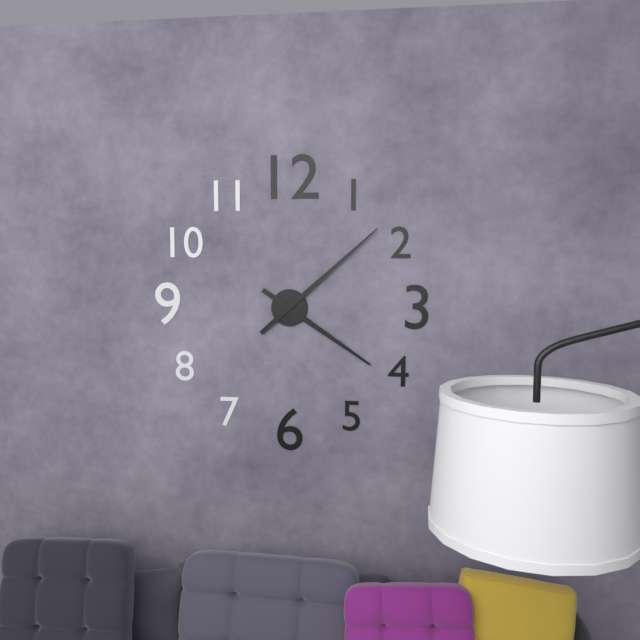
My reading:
**4:08**
